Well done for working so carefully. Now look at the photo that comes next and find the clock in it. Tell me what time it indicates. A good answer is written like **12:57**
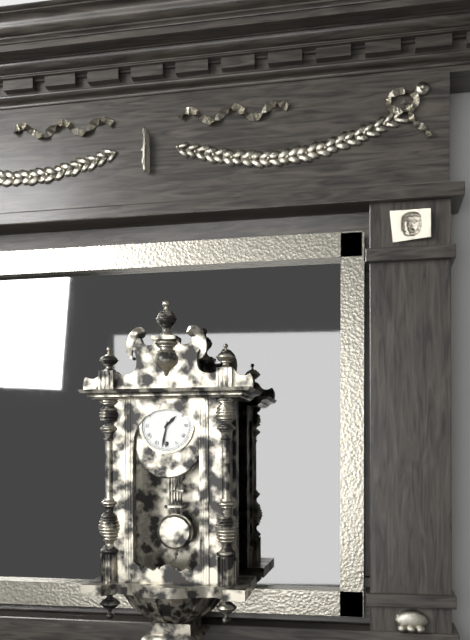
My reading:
**1:32**
